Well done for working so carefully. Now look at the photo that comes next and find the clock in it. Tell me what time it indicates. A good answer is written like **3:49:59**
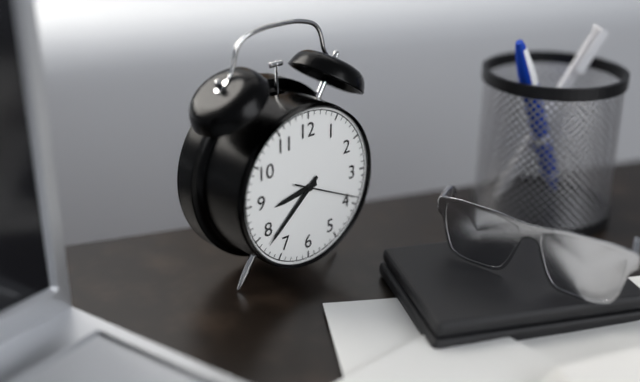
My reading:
**8:38:19**
